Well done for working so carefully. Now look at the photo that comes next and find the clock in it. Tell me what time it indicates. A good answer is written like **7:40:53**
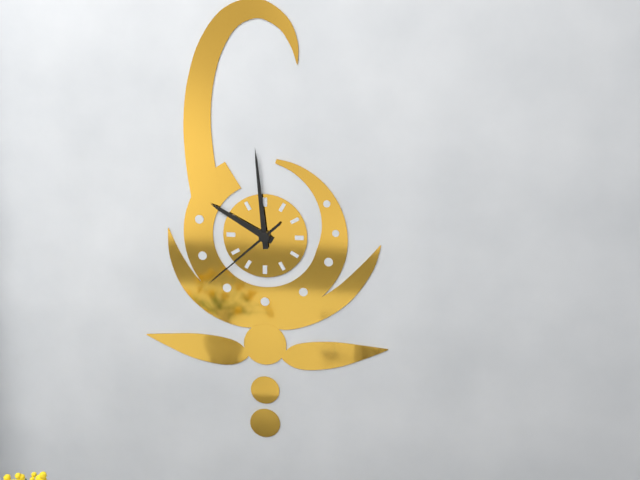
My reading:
**9:59:38**
